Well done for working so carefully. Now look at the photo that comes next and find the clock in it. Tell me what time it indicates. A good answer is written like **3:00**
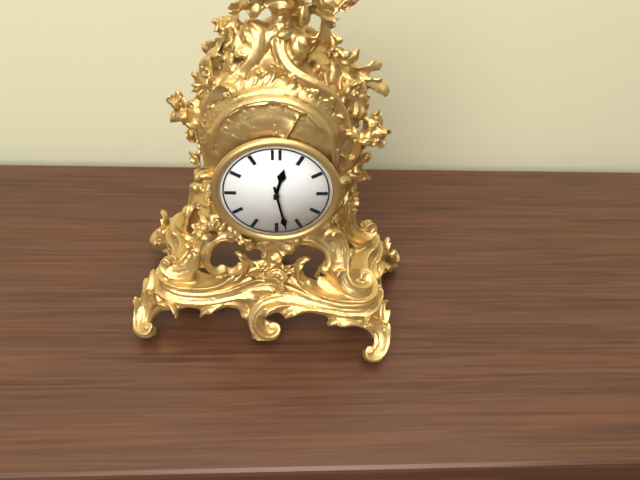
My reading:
**12:28**
